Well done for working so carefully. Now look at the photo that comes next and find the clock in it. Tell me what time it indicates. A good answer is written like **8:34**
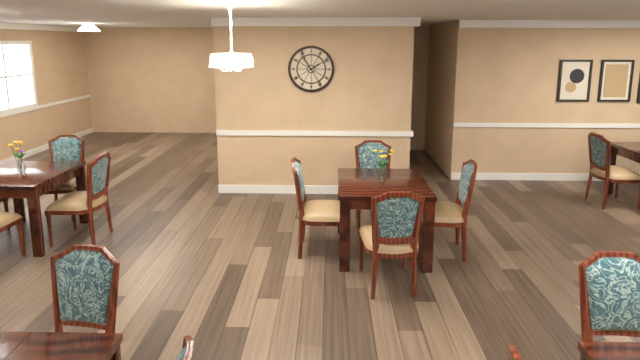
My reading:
**1:54**
